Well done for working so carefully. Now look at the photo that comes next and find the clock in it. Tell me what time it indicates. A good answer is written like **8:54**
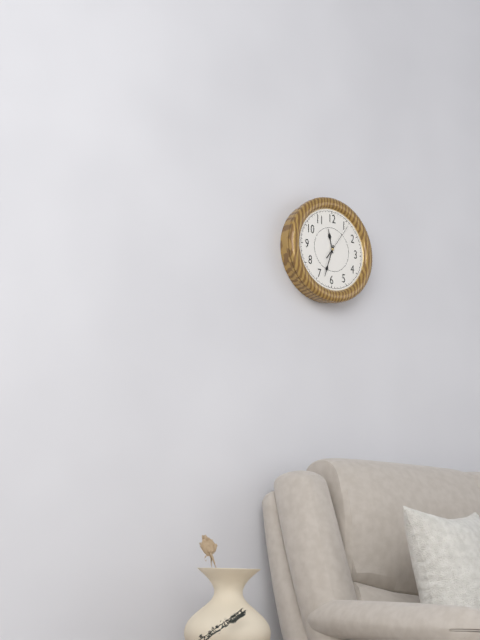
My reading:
**11:33**
